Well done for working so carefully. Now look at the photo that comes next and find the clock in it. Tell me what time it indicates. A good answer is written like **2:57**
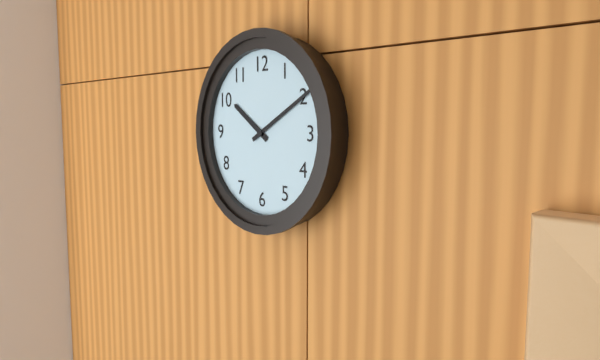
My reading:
**10:10**
